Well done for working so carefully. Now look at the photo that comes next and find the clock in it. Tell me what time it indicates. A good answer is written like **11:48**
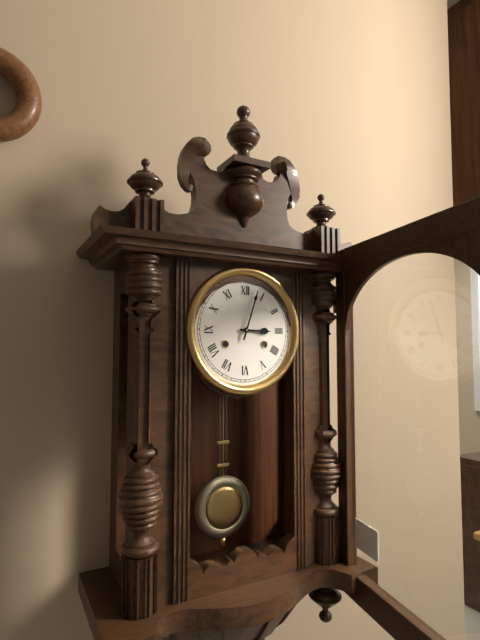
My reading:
**3:03**
